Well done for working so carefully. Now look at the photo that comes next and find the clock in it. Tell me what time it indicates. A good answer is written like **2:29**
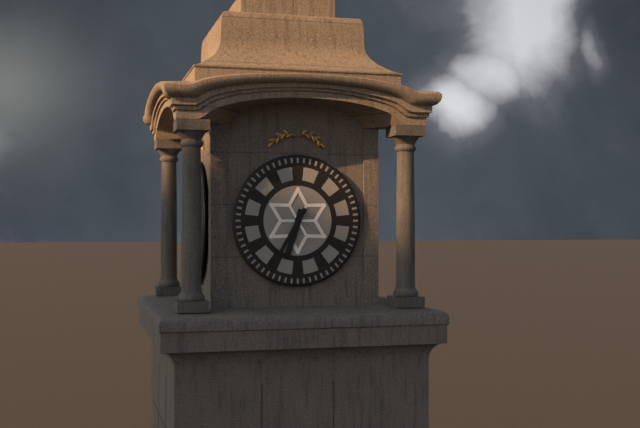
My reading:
**6:35**
